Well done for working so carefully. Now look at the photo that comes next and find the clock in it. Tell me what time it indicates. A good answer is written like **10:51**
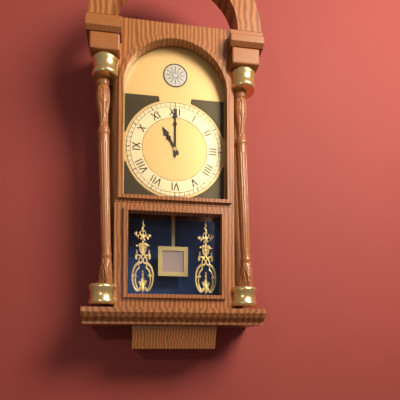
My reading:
**11:00**
